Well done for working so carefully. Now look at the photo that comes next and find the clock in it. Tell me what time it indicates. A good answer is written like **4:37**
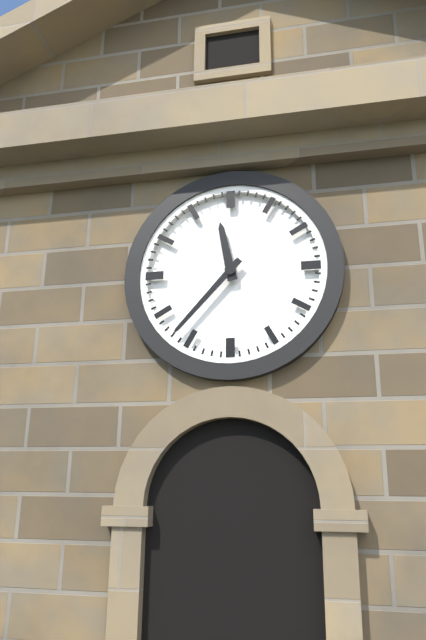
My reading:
**11:37**
